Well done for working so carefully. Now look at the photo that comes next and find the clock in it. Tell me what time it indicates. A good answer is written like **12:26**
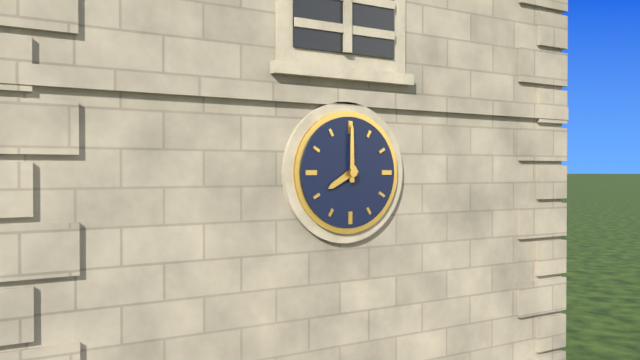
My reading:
**8:00**
